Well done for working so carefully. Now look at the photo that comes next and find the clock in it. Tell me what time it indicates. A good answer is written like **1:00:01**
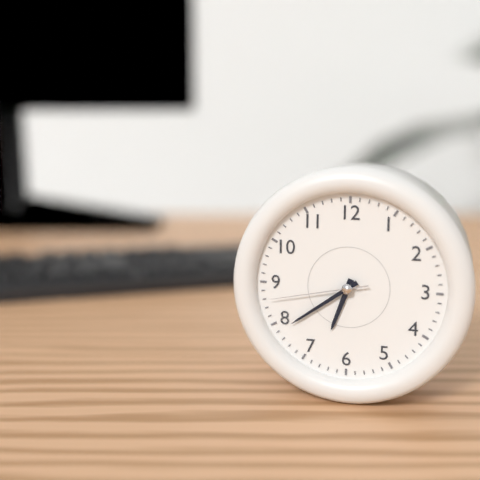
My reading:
**6:39:43**
